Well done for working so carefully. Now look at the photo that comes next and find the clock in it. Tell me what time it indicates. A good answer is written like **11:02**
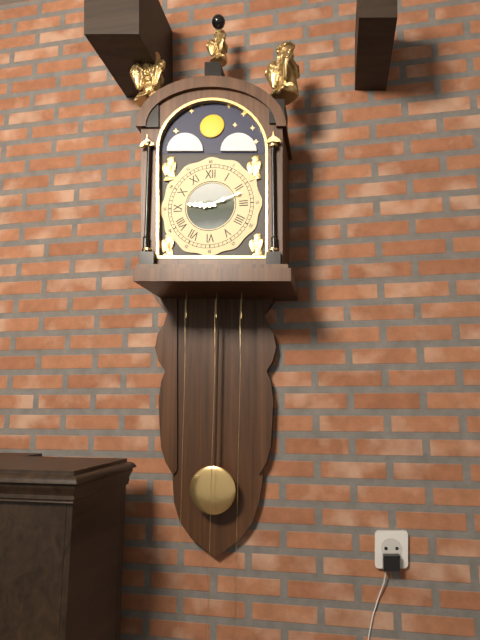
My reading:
**9:12**
